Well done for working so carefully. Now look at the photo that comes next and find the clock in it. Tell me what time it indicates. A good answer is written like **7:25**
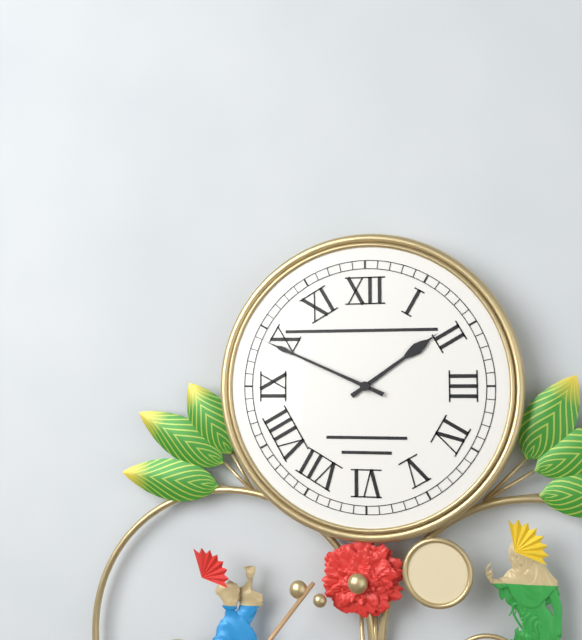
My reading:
**1:49**
